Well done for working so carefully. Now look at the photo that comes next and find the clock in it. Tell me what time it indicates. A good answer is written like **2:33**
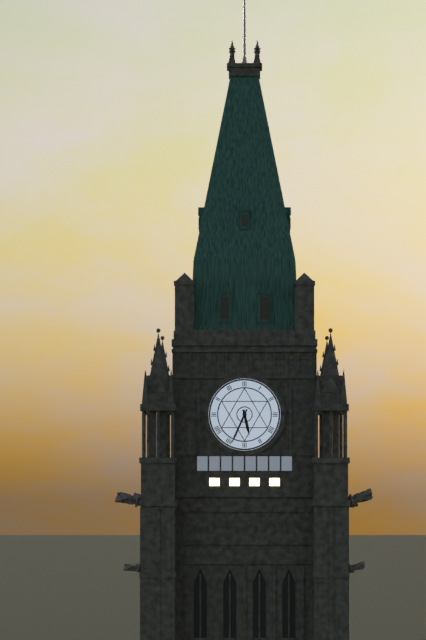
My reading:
**5:34**
